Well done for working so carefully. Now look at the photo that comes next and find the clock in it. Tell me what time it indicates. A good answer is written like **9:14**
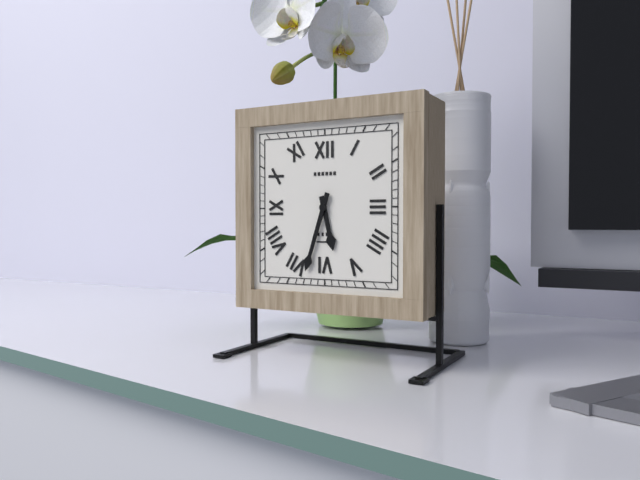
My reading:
**5:33**
